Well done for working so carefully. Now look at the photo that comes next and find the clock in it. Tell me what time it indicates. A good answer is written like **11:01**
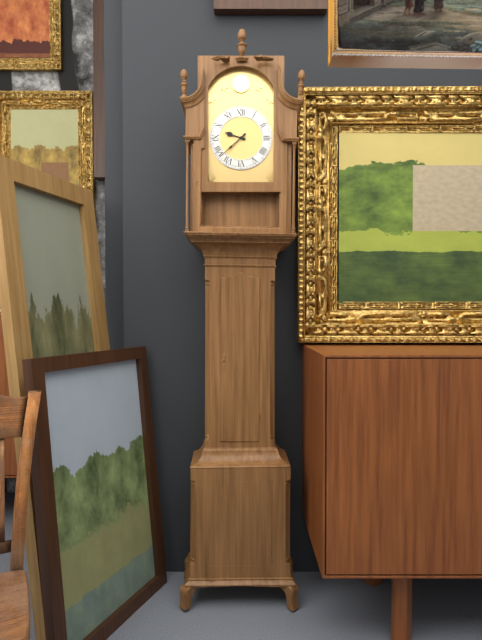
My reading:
**9:38**
